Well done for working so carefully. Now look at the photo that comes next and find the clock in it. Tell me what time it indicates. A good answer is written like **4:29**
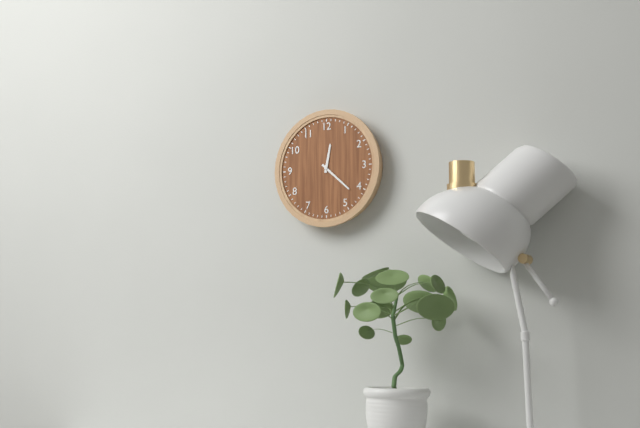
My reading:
**12:22**
